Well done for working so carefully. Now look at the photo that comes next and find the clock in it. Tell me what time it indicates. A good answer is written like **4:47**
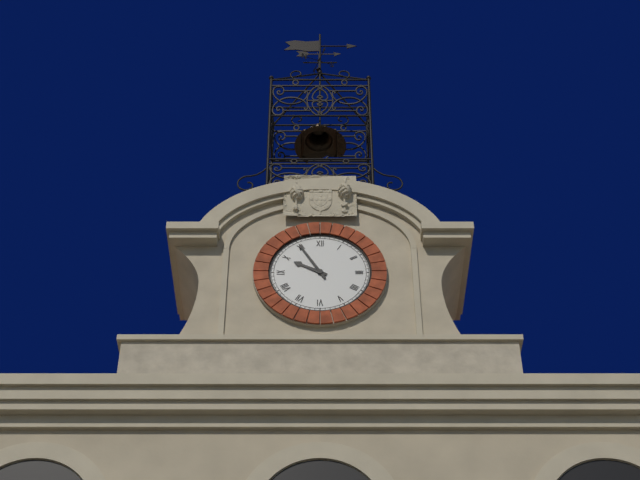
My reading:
**9:55**
